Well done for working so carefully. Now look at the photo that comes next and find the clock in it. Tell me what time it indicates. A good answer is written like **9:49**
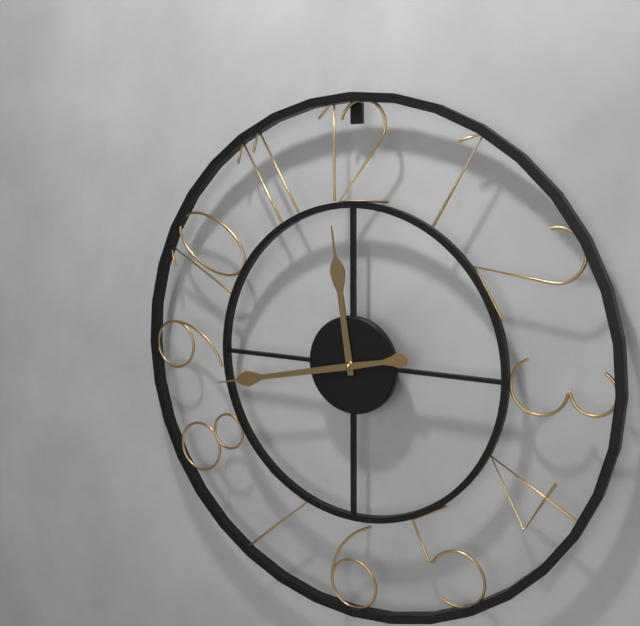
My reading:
**11:43**
